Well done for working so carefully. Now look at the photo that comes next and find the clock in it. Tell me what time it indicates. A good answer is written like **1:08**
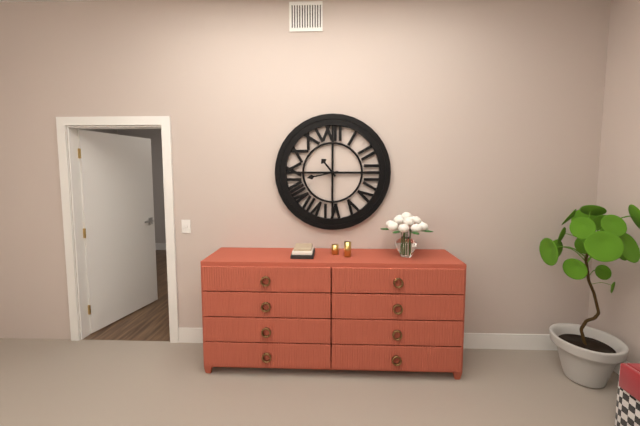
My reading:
**10:43**
